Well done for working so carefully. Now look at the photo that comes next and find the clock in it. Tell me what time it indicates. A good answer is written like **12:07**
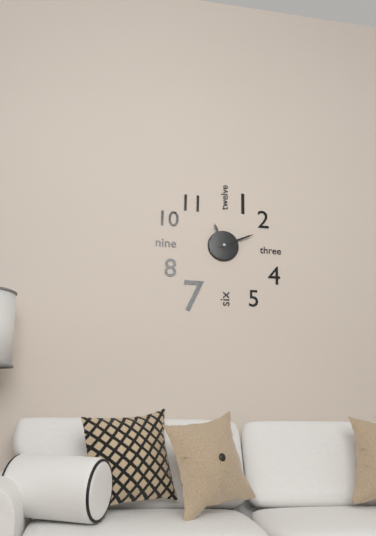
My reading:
**11:11**
